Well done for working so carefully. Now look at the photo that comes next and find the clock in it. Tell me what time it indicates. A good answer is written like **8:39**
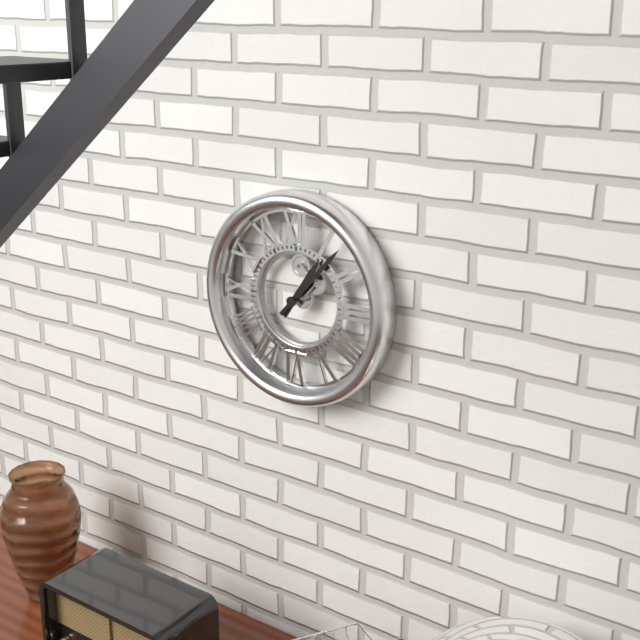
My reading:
**1:07**
